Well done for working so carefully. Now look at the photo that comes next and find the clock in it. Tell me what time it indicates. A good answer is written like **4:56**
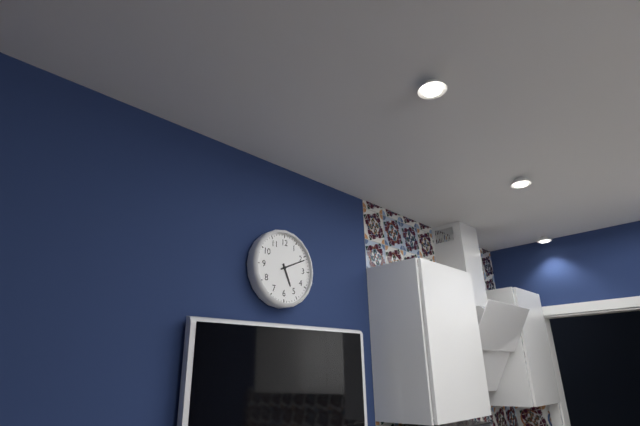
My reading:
**5:11**
